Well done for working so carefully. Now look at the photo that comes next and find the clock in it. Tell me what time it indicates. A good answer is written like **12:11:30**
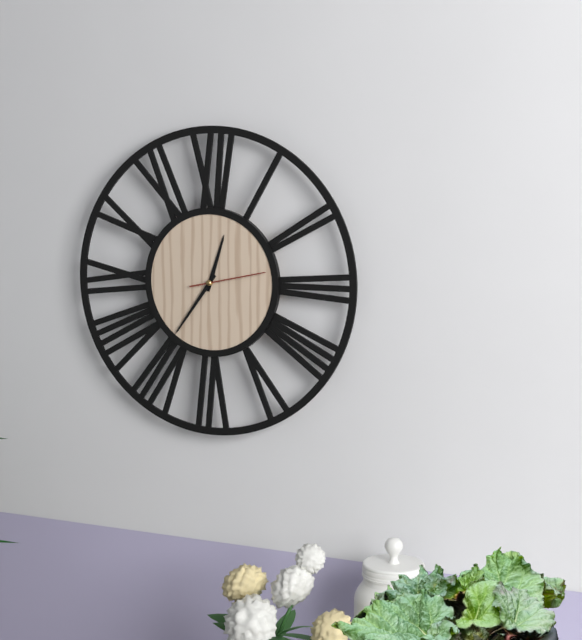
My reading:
**12:36:13**
